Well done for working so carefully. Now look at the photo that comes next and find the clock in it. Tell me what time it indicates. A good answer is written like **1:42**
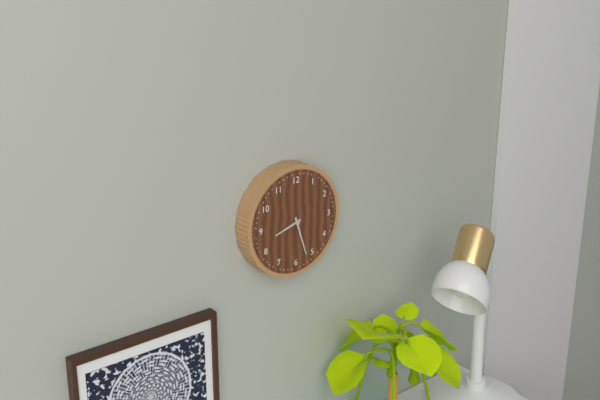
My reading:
**8:27**
